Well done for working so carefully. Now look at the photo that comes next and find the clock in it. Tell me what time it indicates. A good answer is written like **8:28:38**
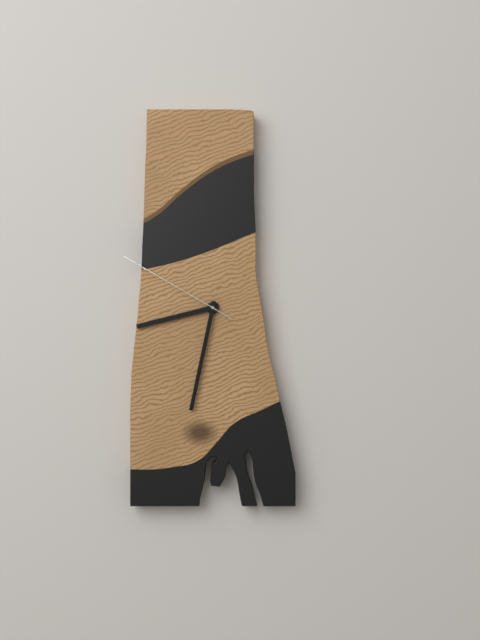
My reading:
**8:32:50**
